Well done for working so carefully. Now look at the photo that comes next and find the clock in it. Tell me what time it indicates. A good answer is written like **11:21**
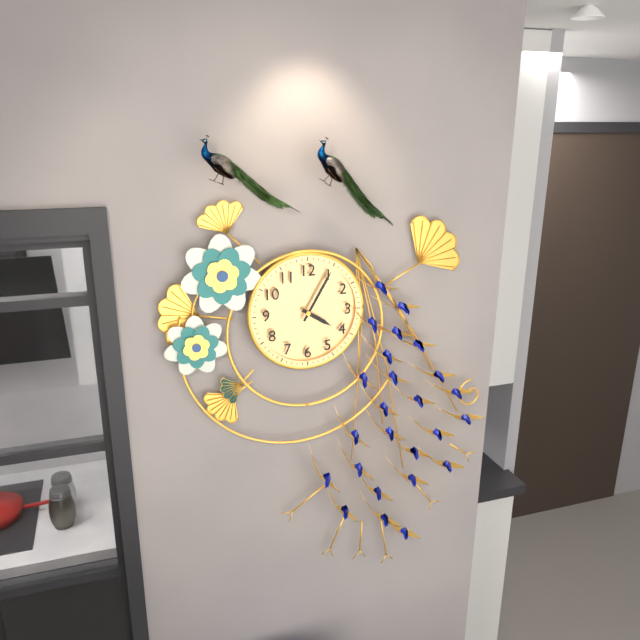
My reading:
**4:05**
